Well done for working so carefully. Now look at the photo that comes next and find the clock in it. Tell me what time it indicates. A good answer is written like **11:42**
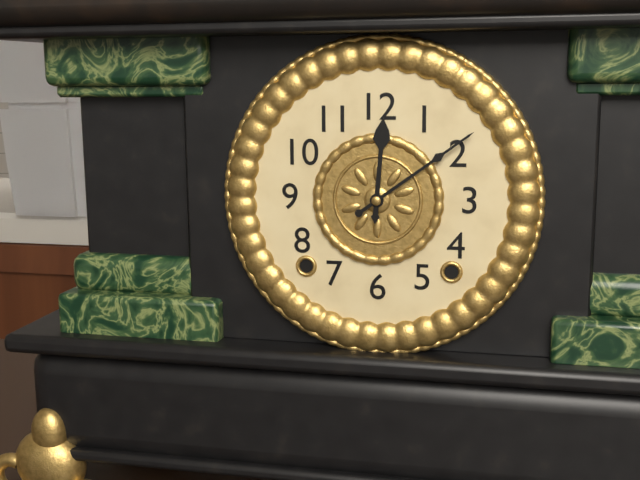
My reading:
**12:09**
